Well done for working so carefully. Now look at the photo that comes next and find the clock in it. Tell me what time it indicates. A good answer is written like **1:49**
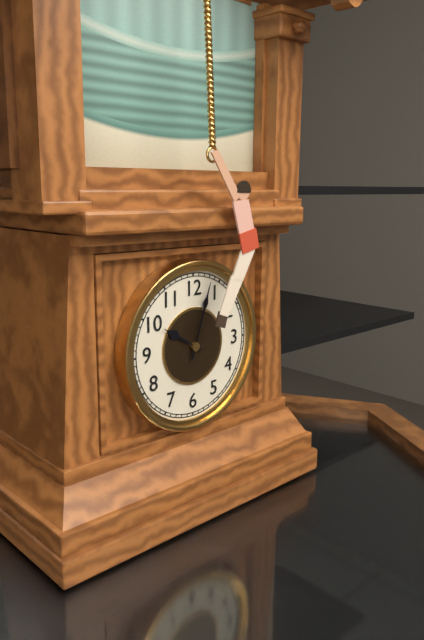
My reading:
**10:03**
